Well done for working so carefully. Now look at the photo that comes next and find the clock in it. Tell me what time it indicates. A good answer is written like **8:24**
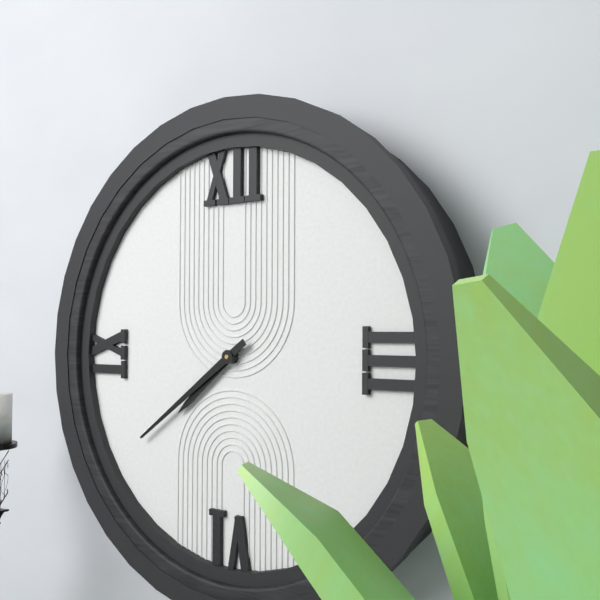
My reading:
**7:39**
